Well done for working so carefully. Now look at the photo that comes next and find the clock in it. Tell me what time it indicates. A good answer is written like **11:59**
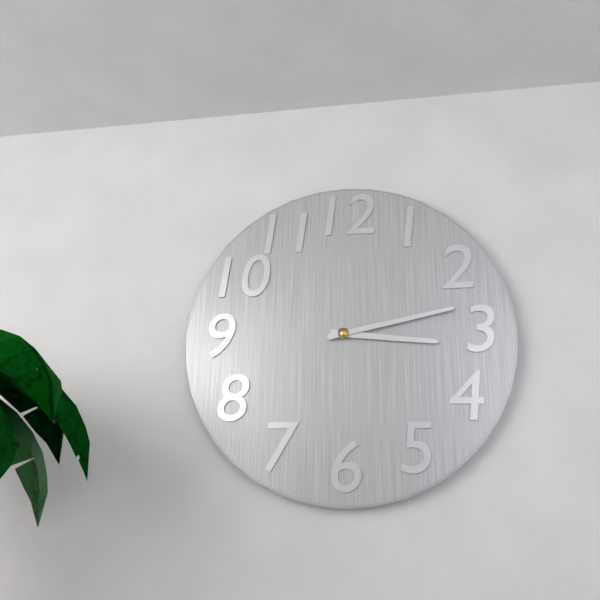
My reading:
**3:13**
